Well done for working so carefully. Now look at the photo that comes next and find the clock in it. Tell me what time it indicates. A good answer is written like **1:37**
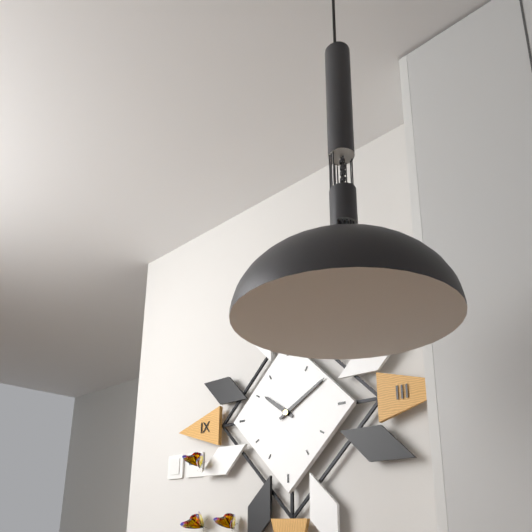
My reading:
**10:10**
